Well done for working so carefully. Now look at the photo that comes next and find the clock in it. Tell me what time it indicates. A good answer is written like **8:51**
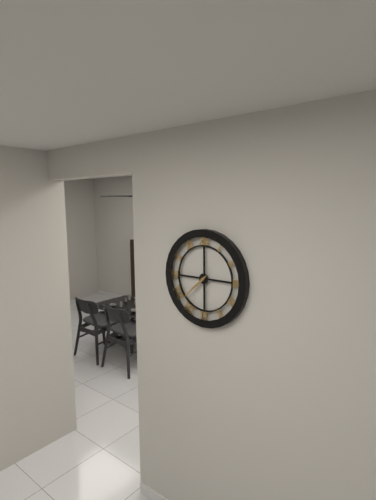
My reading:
**7:38**
